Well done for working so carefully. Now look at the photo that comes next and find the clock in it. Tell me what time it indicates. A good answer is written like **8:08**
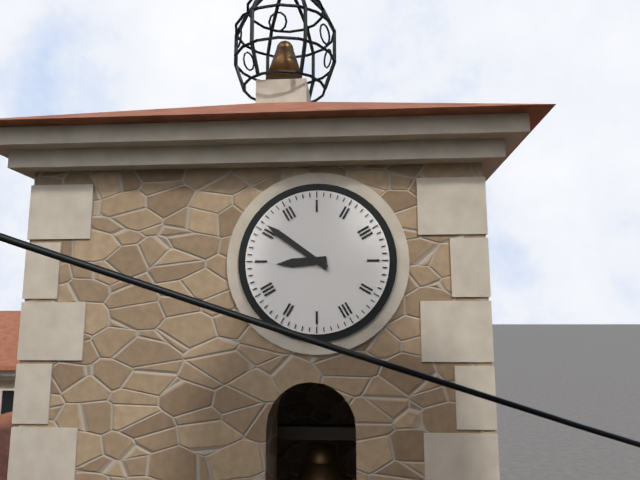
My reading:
**8:51**
